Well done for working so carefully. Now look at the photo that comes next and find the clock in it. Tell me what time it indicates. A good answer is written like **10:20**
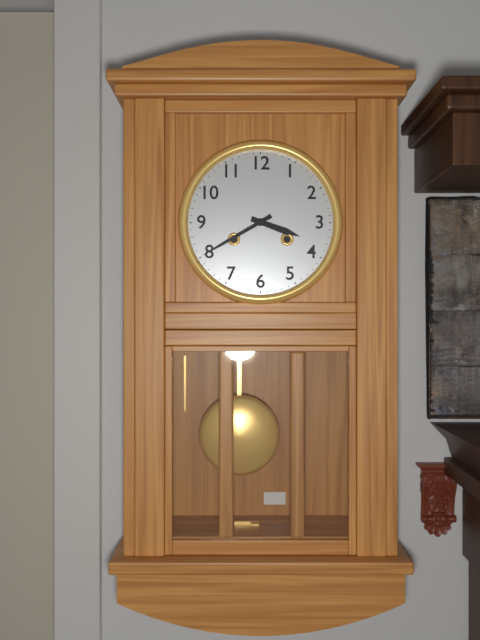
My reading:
**3:40**
